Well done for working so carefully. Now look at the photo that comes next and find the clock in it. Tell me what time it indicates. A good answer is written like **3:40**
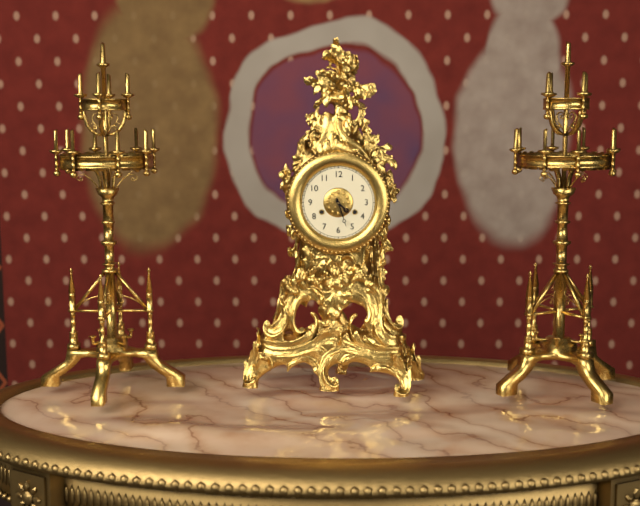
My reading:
**4:27**
